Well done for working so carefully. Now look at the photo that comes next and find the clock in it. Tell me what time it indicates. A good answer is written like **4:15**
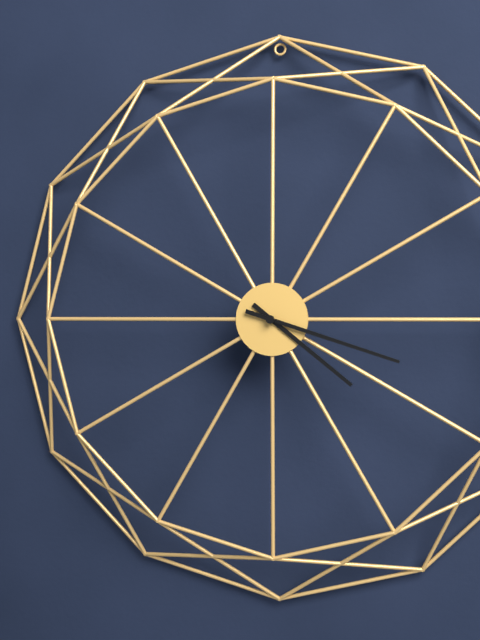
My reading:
**4:18**
